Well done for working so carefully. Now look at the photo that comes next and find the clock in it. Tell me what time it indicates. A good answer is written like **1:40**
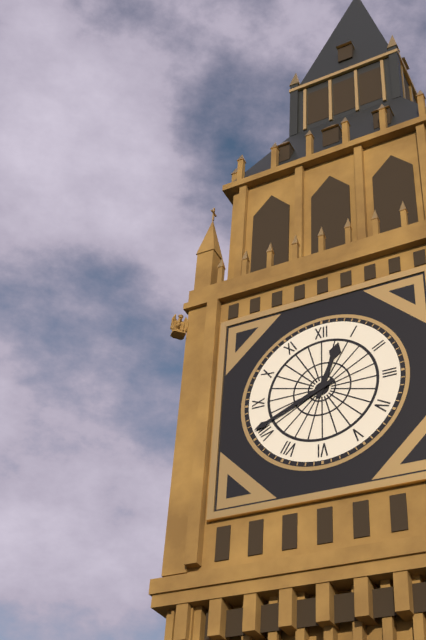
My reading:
**12:41**
